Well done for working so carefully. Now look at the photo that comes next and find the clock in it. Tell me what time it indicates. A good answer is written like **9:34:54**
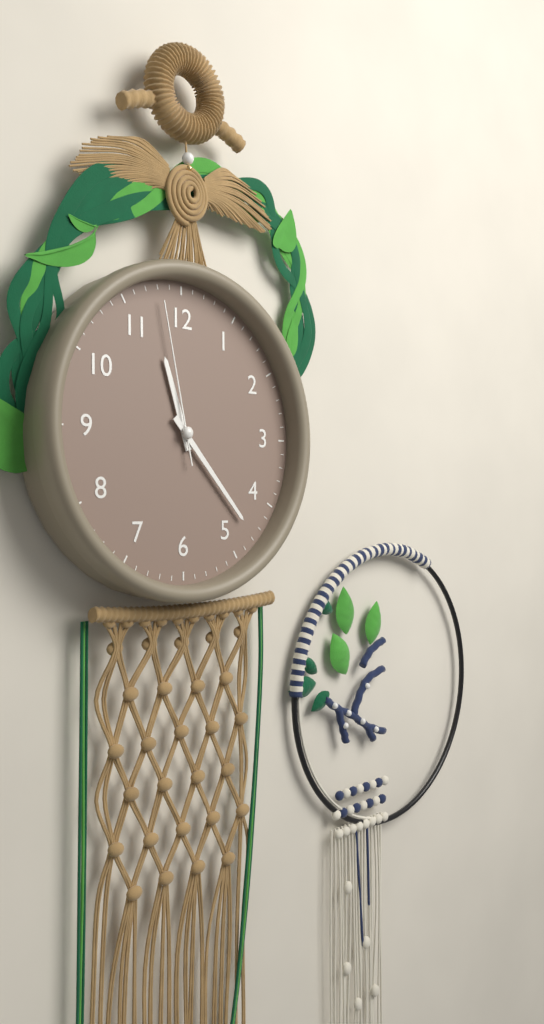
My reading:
**11:23:58**
